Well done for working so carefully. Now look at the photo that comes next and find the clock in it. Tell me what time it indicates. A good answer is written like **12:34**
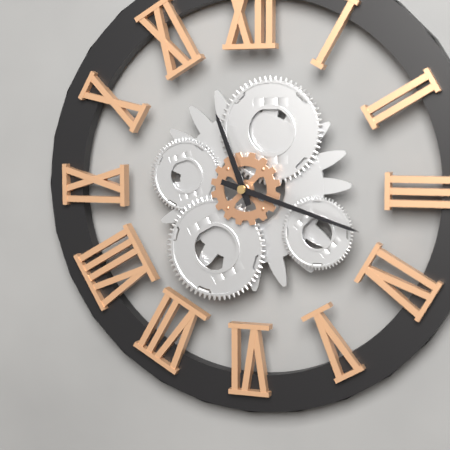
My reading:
**11:18**
